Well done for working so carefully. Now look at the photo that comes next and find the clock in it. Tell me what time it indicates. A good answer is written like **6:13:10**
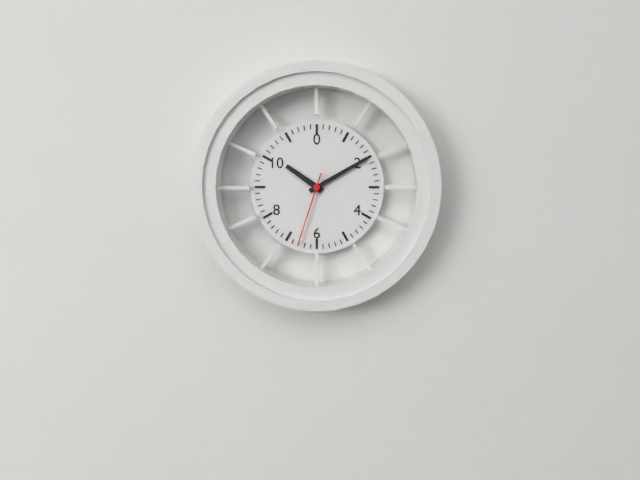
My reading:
**10:10:33**
